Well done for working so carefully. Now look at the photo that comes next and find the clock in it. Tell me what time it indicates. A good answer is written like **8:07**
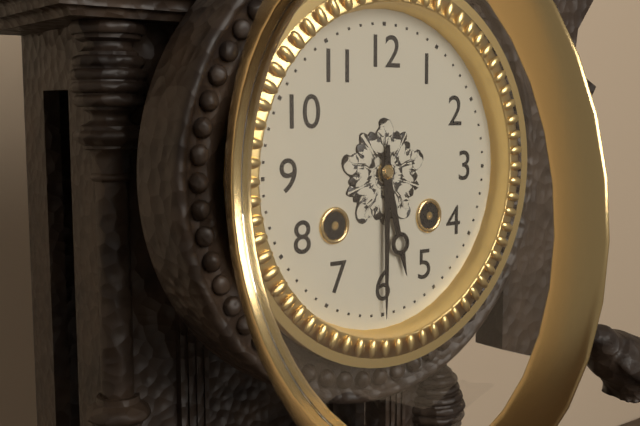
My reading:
**5:30**
